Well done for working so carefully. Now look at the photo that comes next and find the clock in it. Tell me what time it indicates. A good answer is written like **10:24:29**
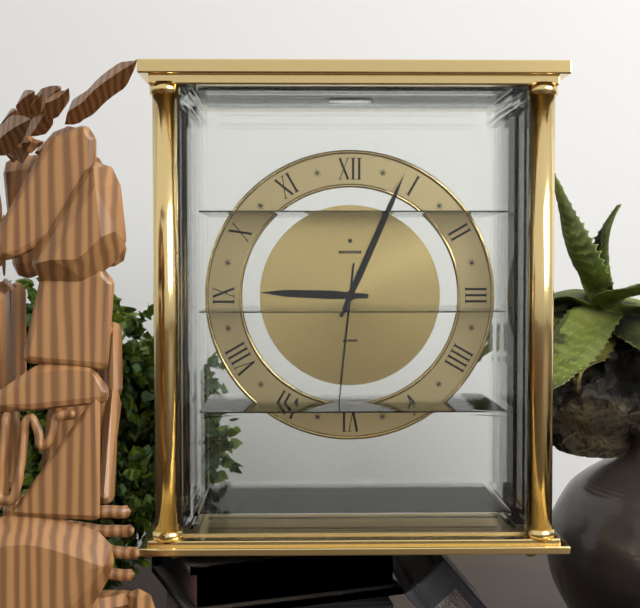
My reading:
**9:04:31**
